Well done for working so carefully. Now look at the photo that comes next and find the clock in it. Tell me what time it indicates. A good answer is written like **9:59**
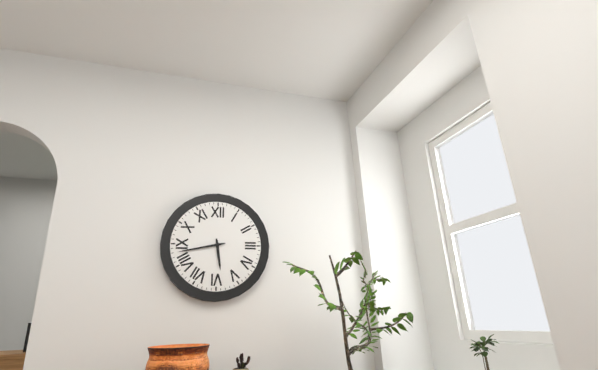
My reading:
**5:43**
